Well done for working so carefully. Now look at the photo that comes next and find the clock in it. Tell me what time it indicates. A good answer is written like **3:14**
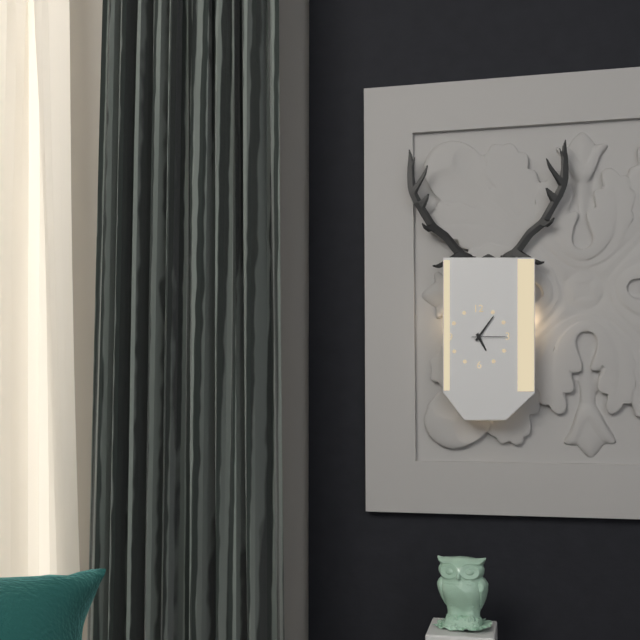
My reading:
**5:06**
